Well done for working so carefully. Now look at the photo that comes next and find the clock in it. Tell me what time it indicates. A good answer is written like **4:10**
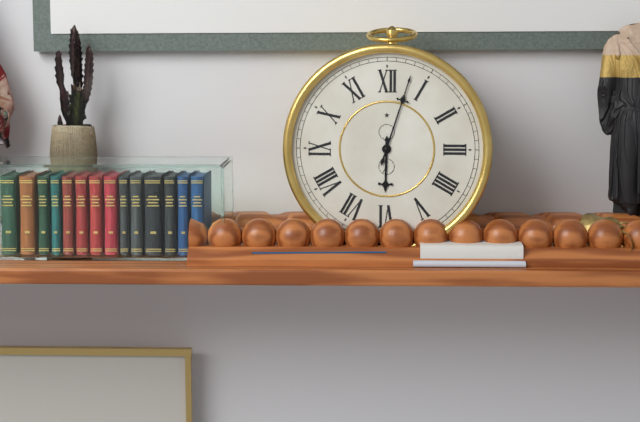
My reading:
**6:03**
